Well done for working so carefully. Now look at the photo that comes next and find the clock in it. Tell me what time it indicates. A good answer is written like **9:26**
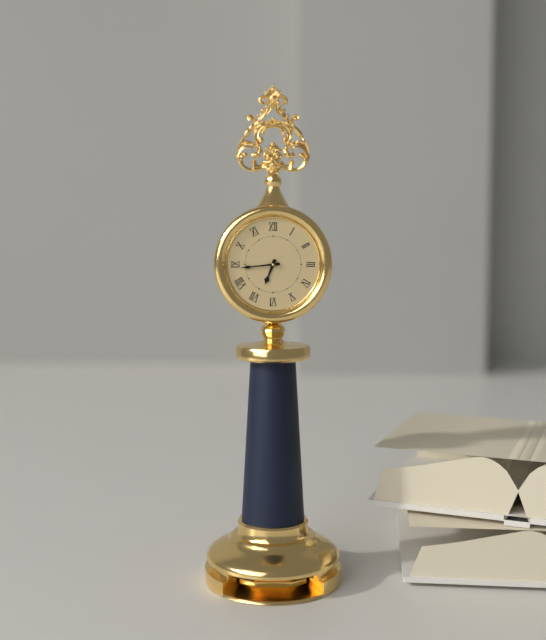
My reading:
**6:44**
